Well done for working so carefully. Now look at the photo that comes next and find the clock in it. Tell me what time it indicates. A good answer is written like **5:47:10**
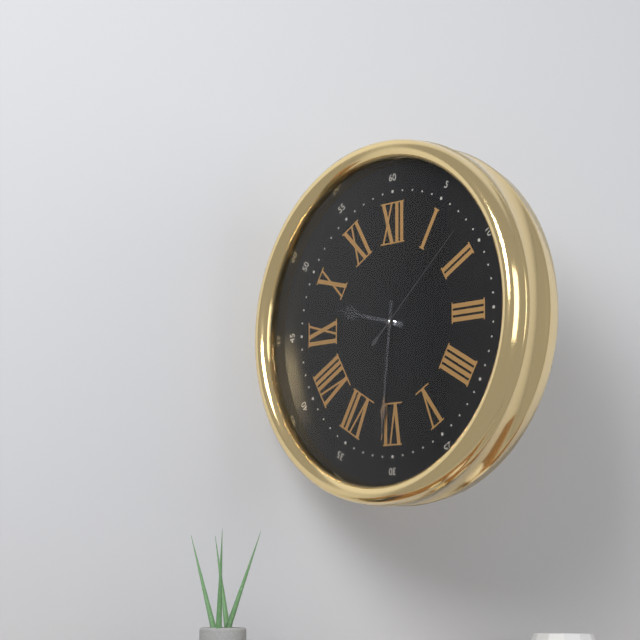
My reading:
**9:31:08**
